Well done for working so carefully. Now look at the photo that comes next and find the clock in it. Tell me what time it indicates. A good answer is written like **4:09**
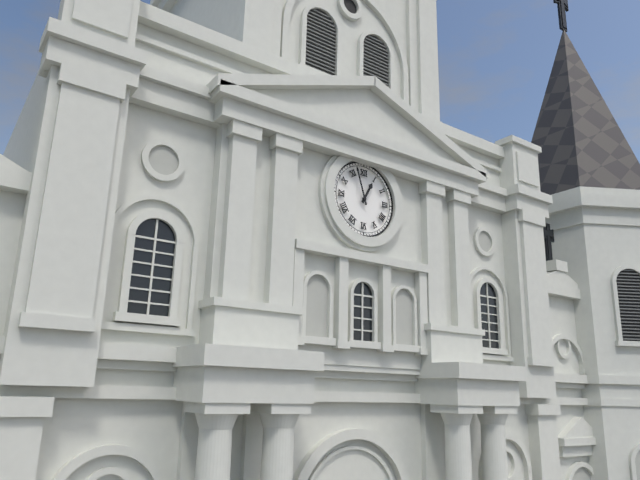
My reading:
**12:57**
